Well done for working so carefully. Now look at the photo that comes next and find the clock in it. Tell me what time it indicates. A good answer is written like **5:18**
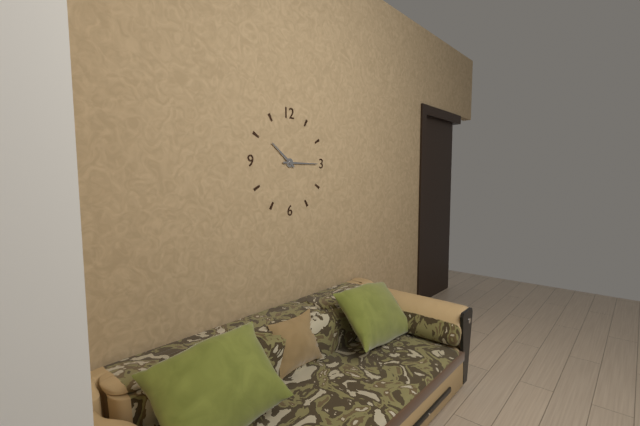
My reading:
**10:15**
